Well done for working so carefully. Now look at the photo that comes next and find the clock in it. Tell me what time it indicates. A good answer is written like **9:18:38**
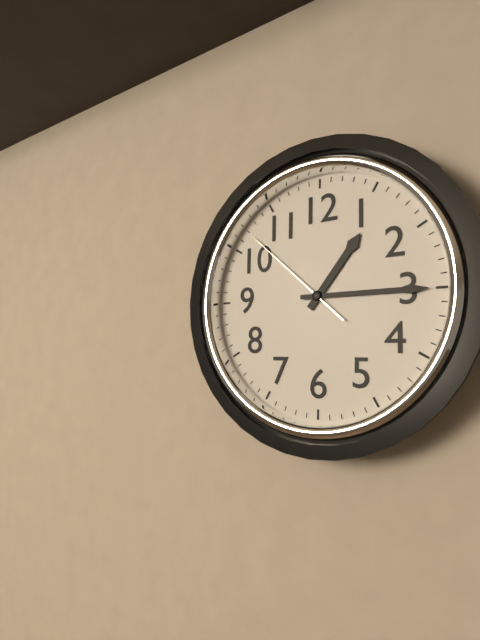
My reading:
**1:15:52**
